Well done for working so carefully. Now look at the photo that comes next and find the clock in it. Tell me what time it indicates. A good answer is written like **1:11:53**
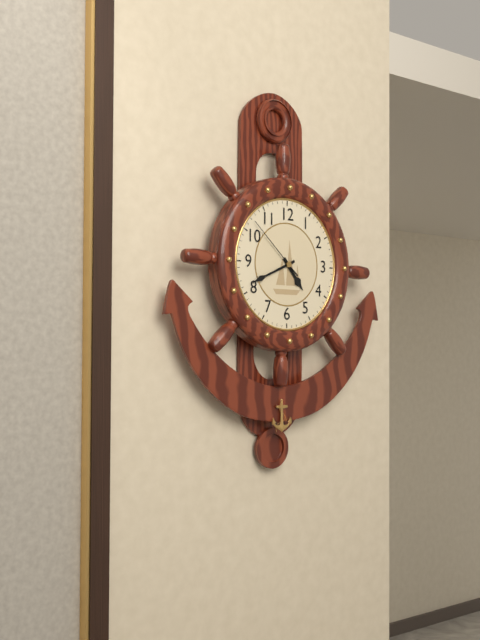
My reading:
**4:41:52**
